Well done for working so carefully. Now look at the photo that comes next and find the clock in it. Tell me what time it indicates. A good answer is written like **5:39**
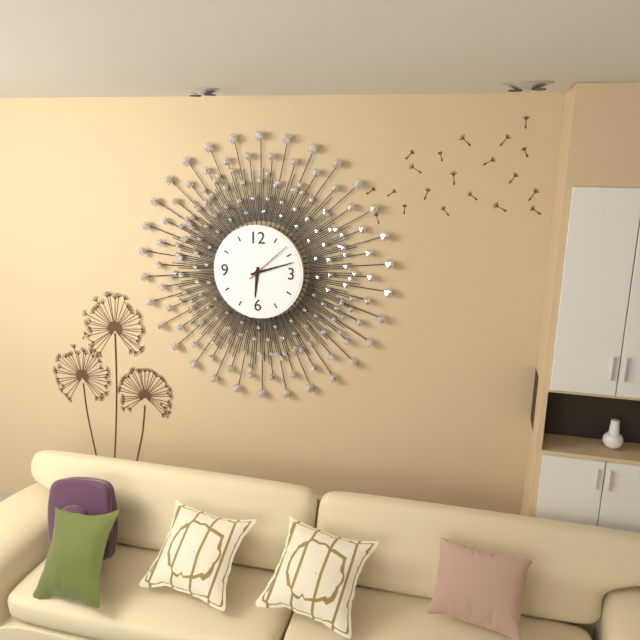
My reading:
**6:12**
